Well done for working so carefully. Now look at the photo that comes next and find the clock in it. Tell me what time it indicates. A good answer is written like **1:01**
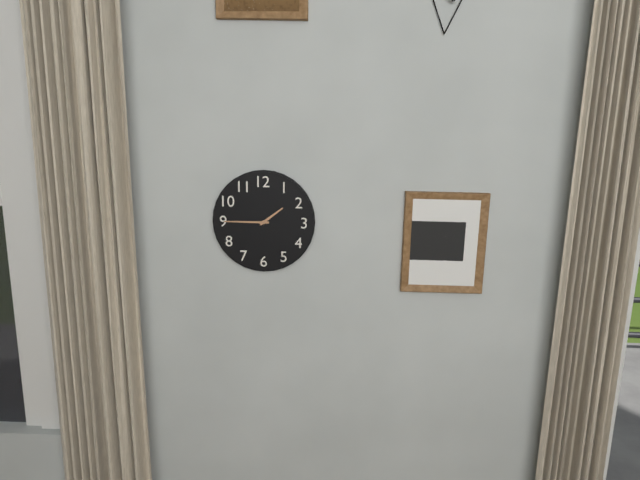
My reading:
**1:45**
